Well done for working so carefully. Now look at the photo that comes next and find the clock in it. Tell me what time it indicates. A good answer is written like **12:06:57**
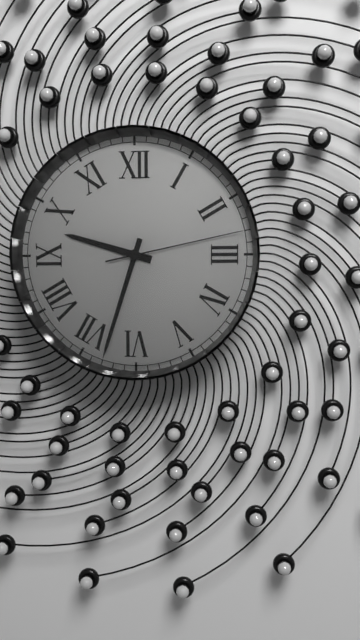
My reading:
**9:33:13**
